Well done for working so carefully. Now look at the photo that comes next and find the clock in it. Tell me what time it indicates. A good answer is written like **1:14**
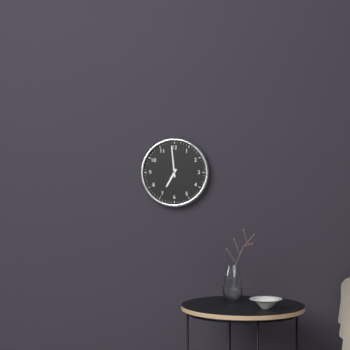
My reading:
**6:59**
